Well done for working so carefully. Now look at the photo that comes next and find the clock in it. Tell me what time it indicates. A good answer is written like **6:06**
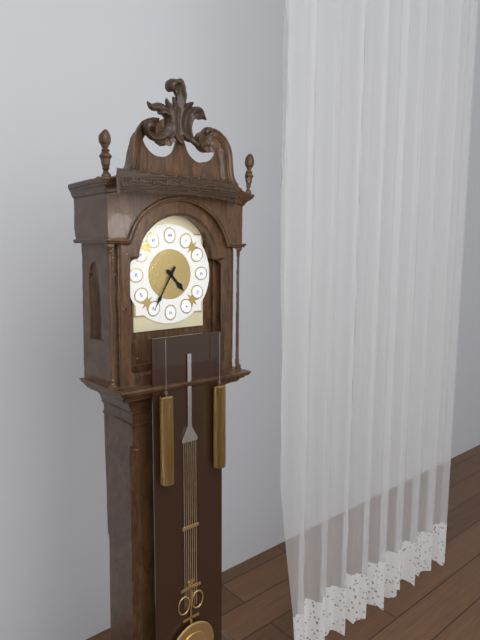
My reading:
**4:35**
